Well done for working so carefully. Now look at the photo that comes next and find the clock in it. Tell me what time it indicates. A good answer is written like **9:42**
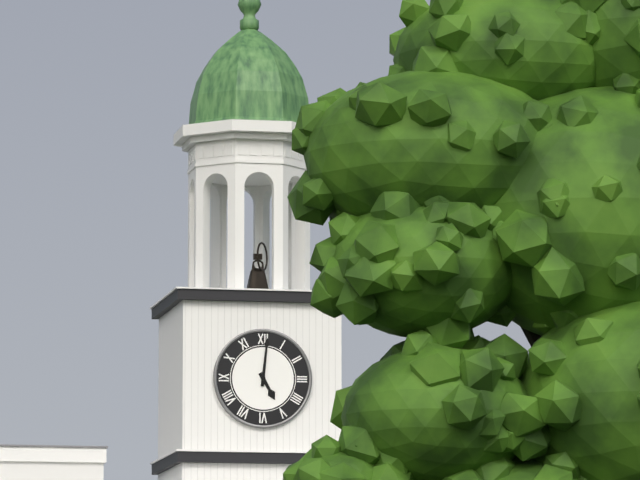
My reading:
**5:01**
